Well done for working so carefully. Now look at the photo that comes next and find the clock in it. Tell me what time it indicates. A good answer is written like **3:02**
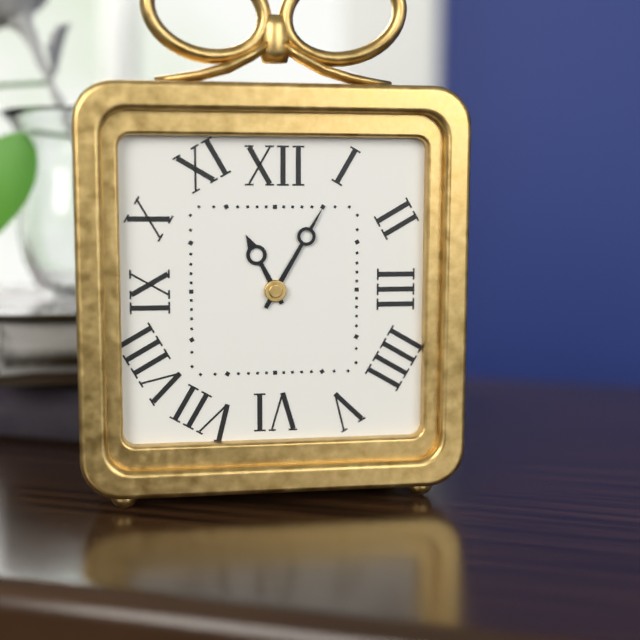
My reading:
**11:05**
